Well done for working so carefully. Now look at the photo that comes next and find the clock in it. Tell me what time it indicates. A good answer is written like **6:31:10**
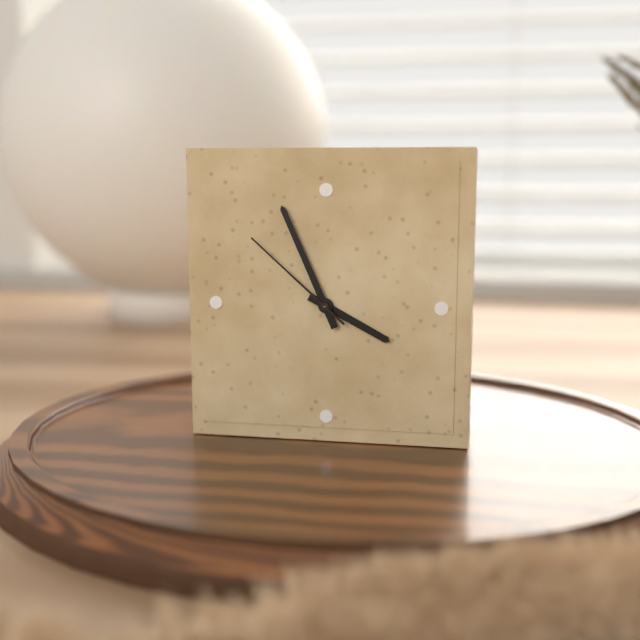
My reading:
**3:56:52**
